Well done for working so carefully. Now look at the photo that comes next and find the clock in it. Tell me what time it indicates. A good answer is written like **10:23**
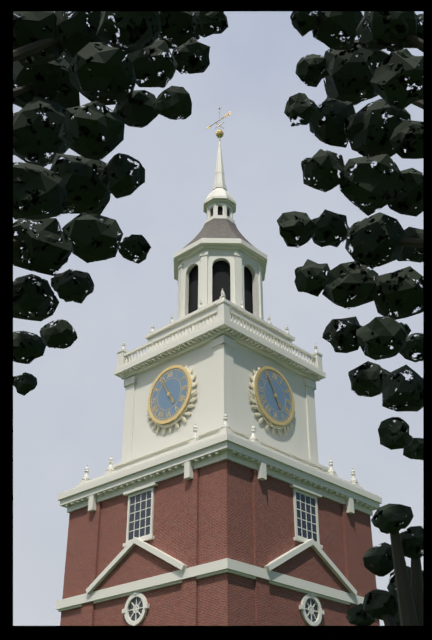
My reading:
**4:55**
